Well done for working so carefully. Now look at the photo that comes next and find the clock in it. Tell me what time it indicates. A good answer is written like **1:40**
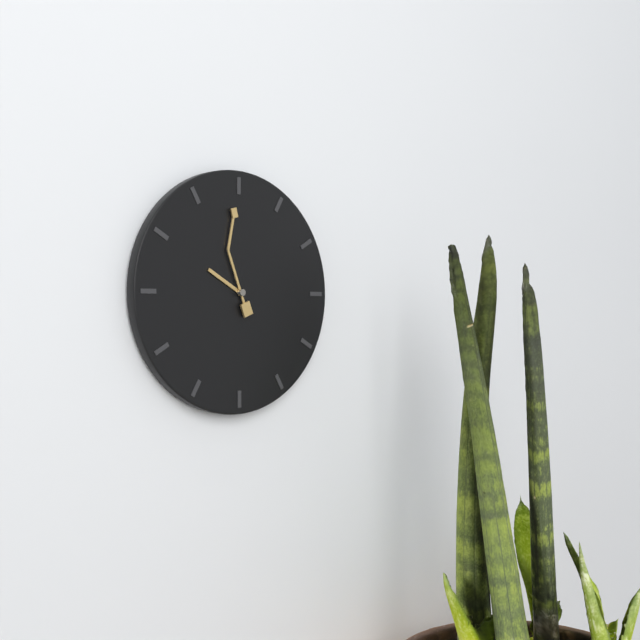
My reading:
**9:59**
